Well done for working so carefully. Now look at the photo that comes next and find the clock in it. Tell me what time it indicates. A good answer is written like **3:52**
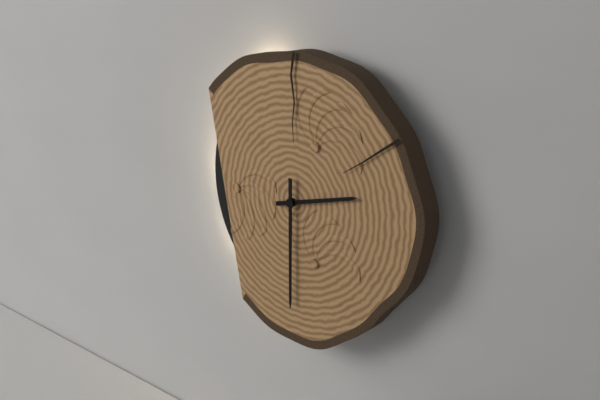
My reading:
**2:30**
